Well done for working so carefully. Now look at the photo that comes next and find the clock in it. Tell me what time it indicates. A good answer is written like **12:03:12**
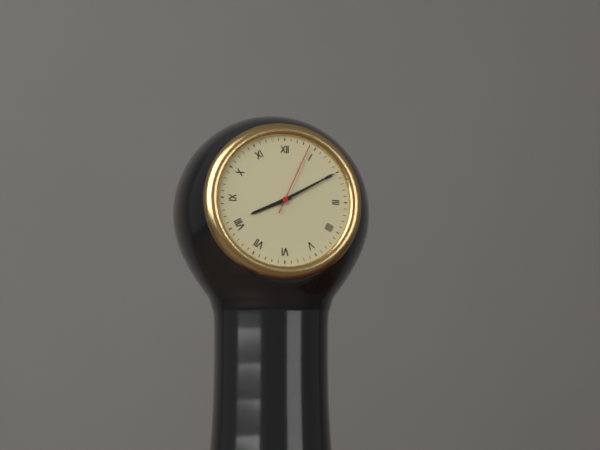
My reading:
**8:10:04**
